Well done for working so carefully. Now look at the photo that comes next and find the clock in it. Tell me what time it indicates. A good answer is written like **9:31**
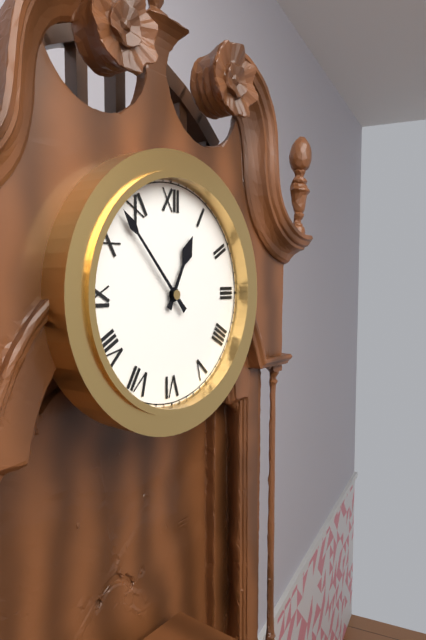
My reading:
**12:53**
